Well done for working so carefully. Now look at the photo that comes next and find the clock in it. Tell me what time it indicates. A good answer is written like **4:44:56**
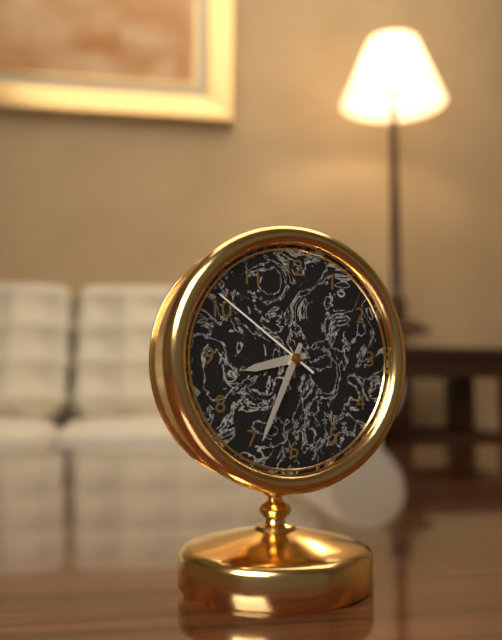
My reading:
**8:34:51**
